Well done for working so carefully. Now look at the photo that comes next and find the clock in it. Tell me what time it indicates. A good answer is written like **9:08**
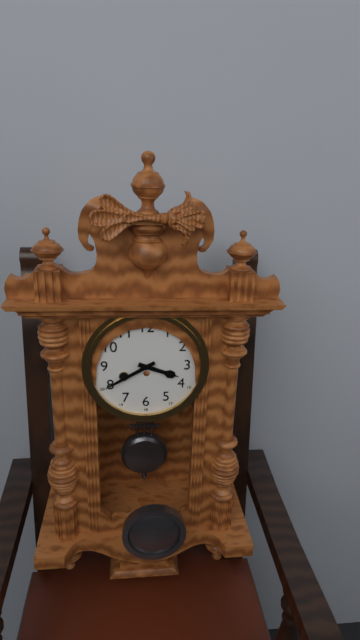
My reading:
**3:40**
